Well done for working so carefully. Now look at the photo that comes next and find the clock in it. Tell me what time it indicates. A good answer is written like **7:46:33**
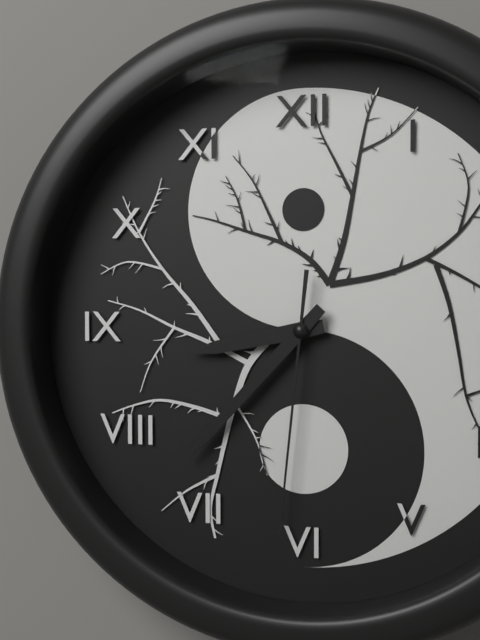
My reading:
**8:37:31**
